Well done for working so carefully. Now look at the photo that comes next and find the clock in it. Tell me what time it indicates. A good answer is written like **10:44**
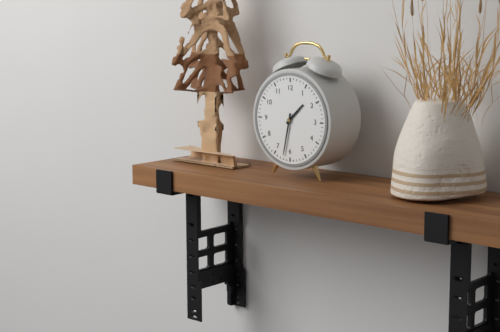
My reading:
**1:32**
